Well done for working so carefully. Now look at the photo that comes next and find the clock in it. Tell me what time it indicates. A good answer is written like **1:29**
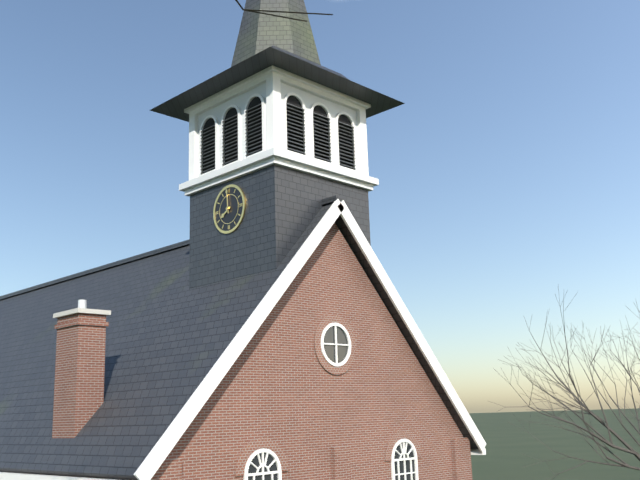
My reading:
**7:59**
